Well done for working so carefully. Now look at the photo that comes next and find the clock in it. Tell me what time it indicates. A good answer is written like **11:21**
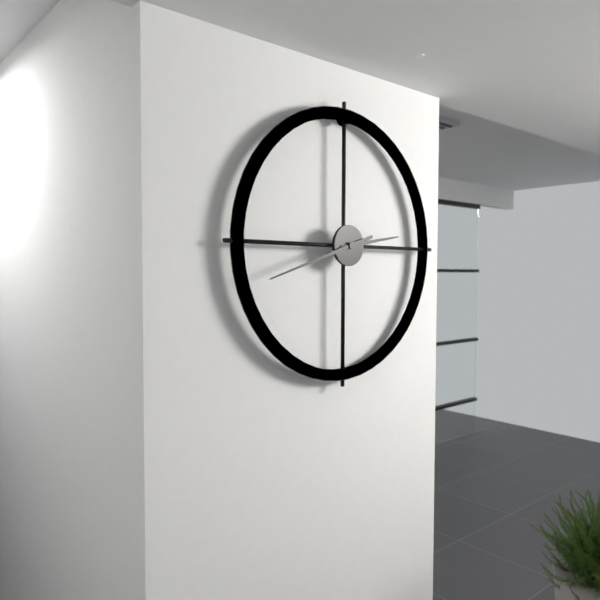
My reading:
**2:42**
